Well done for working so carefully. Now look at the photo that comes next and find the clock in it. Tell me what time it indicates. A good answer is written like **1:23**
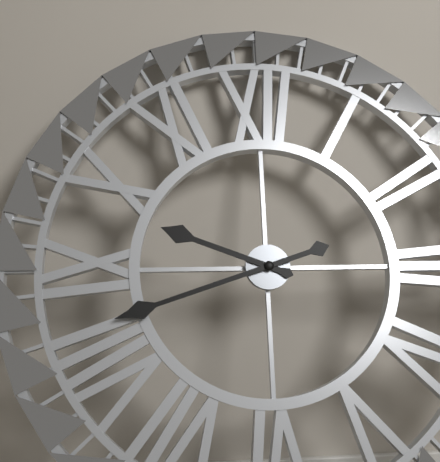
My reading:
**9:42**
